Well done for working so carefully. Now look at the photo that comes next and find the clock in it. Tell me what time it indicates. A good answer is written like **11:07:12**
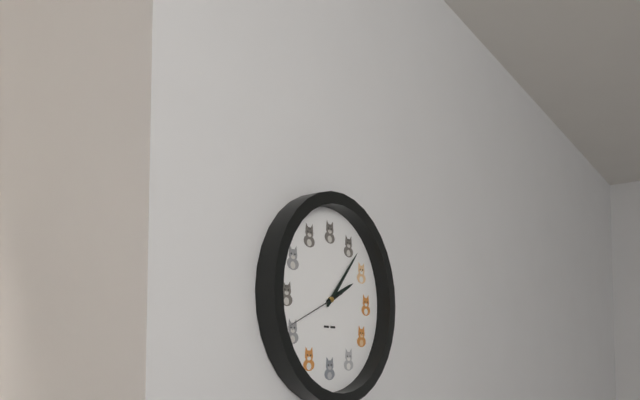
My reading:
**2:07:41**
